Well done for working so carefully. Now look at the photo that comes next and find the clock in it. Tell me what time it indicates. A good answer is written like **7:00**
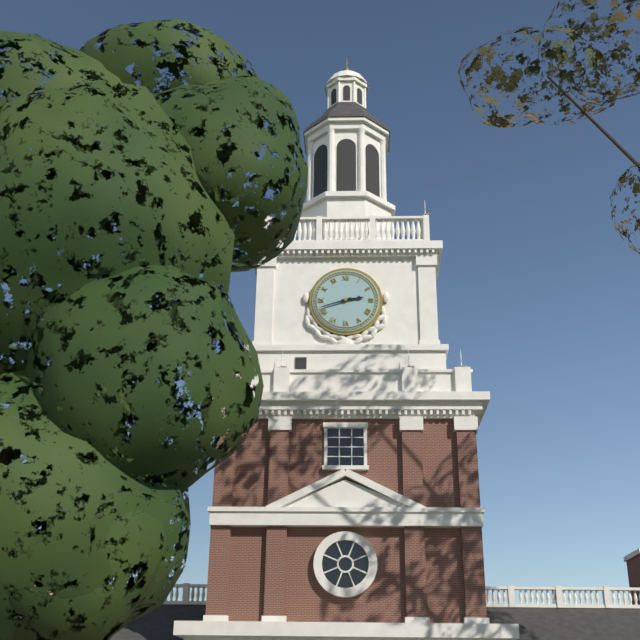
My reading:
**2:42**
